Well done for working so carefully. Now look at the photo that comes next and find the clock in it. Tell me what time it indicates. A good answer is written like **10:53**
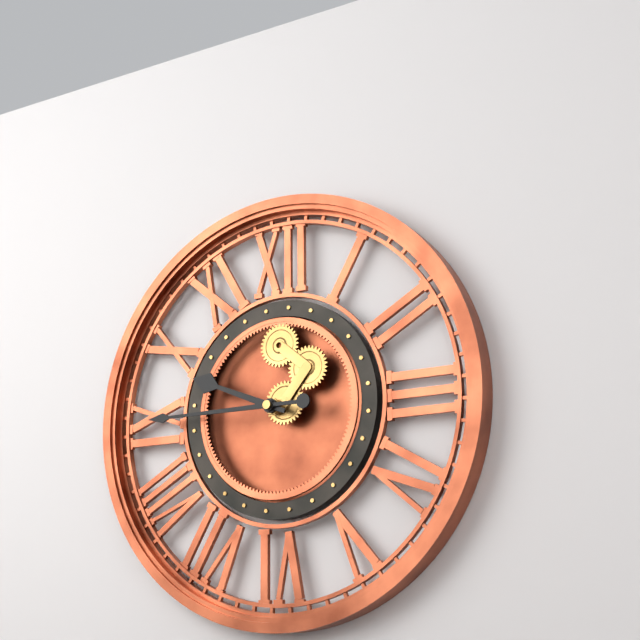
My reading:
**9:45**
